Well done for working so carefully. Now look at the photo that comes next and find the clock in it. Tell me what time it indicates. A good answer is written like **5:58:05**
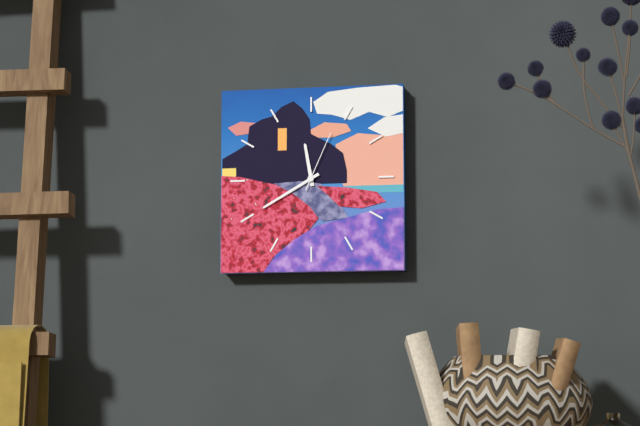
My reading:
**11:40:04**
